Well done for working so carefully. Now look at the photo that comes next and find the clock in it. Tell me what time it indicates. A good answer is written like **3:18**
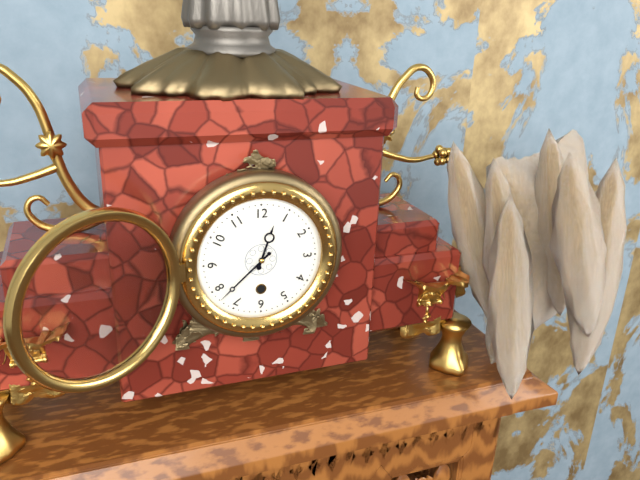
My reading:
**12:38**
